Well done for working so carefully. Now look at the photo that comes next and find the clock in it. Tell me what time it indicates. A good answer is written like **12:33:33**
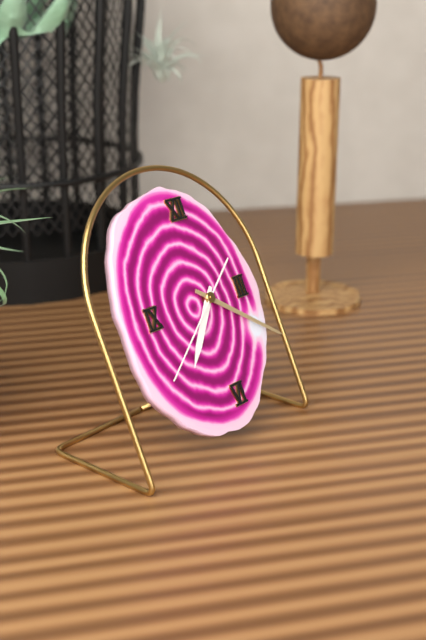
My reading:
**7:21:39**
